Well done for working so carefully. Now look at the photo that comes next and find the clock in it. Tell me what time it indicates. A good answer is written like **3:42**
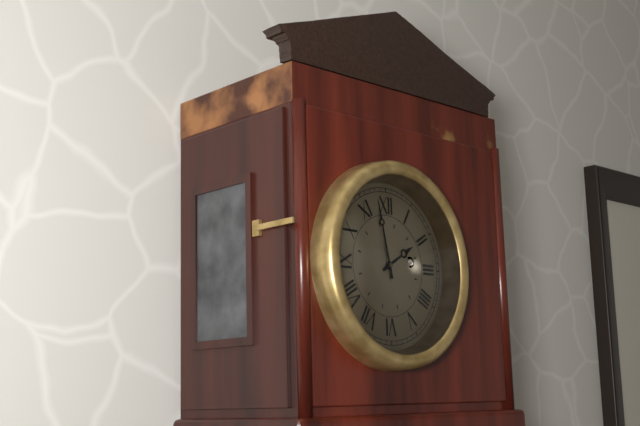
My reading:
**1:58**
